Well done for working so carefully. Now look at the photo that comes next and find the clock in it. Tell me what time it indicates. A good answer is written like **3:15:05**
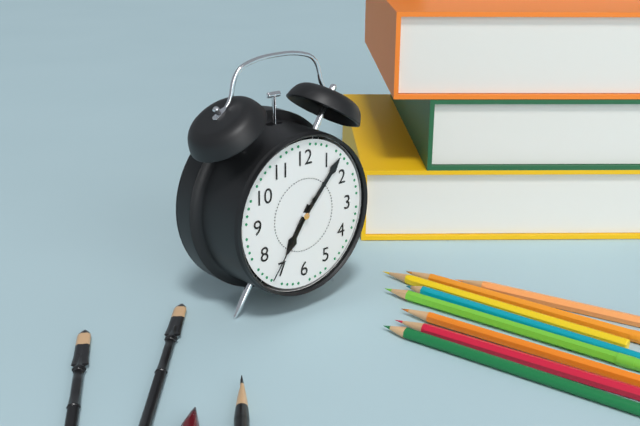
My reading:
**7:07:36**
